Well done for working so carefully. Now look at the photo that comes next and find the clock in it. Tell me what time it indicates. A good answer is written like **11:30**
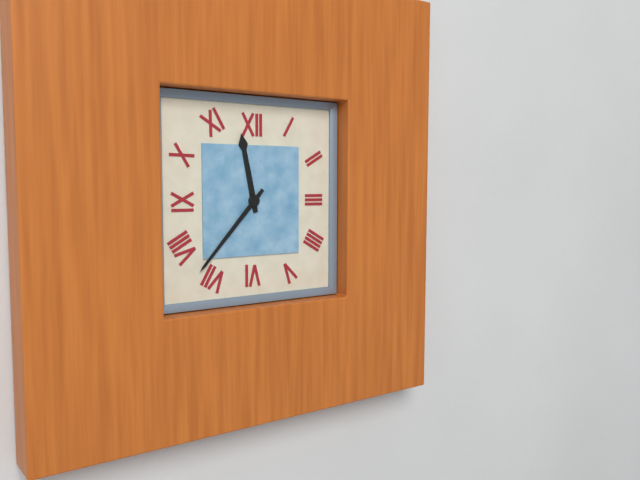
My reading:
**11:37**
